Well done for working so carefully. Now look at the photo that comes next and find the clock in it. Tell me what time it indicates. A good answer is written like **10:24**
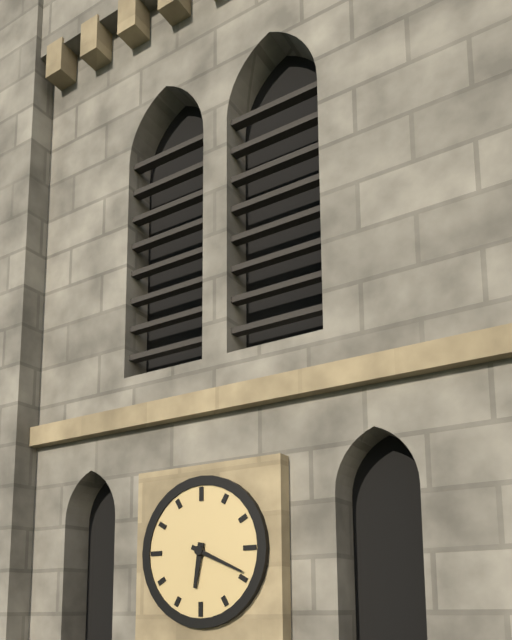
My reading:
**6:19**
